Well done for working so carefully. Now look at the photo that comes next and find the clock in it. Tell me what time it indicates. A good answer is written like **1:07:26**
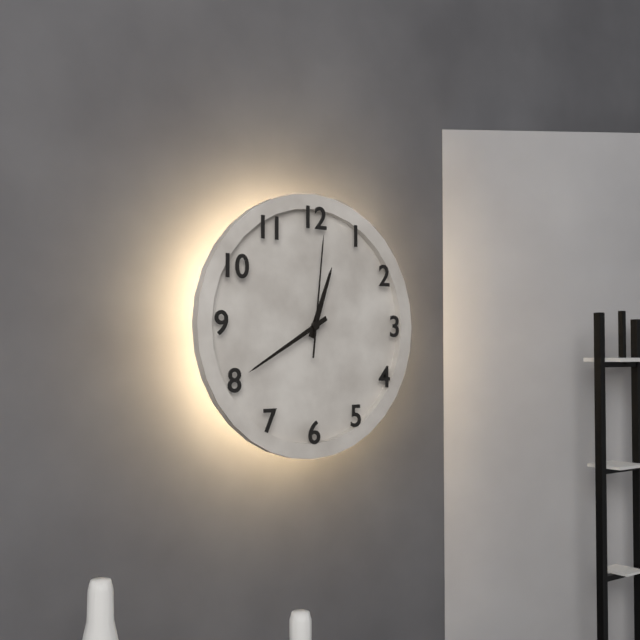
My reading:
**12:40:01**
